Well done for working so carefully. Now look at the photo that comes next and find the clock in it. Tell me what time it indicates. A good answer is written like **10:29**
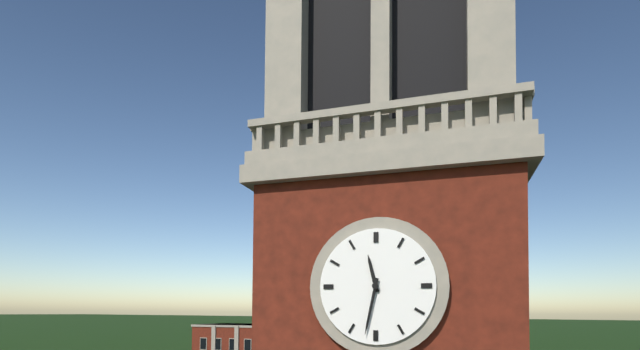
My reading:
**11:32**
